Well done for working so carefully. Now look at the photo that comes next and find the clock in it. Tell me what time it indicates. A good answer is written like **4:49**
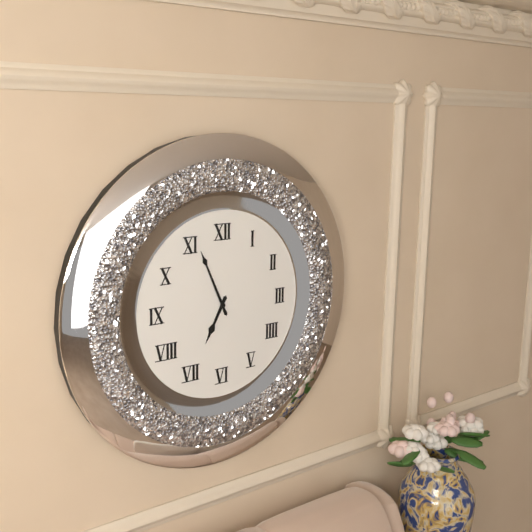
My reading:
**6:56**
